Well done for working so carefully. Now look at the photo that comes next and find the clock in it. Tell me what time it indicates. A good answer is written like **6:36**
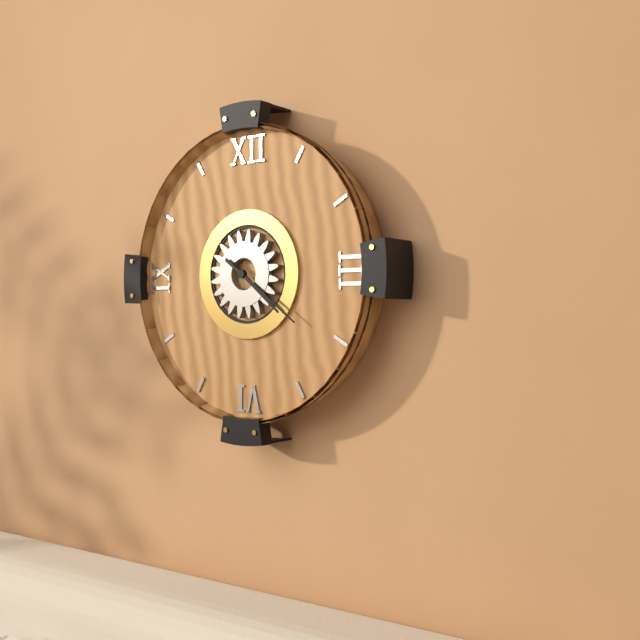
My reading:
**4:21**
